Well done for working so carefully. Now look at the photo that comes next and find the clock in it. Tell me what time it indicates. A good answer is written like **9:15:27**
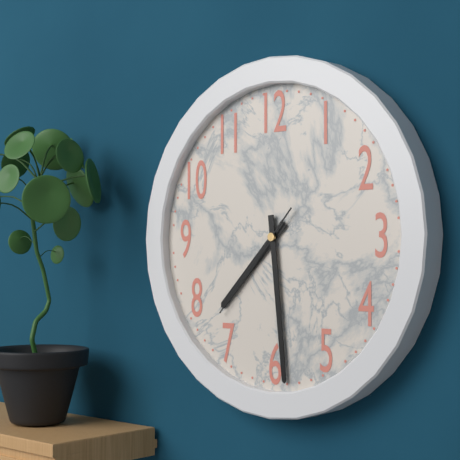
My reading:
**7:29:37**
